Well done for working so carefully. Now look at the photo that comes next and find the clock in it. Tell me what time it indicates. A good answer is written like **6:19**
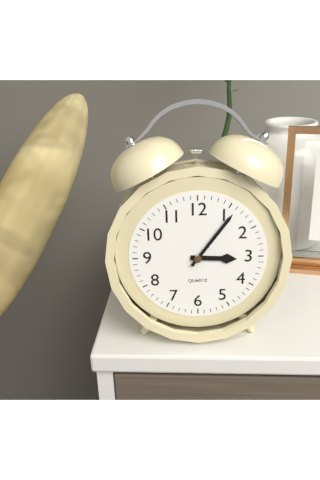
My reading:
**3:06**
